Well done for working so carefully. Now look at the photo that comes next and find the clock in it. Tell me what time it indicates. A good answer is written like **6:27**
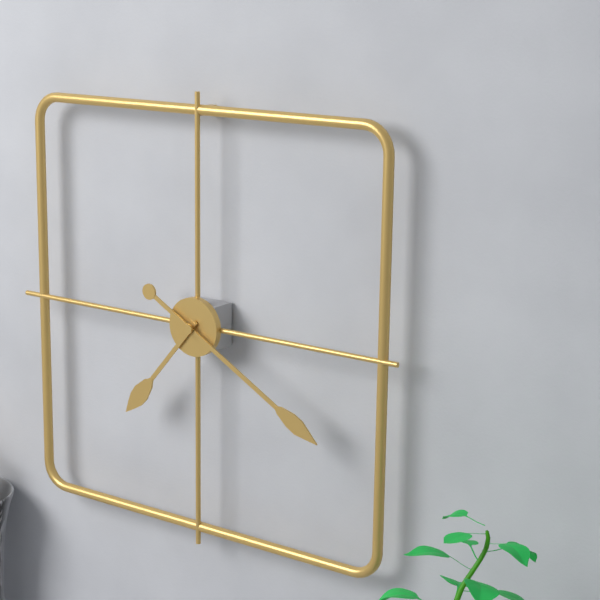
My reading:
**7:20**
